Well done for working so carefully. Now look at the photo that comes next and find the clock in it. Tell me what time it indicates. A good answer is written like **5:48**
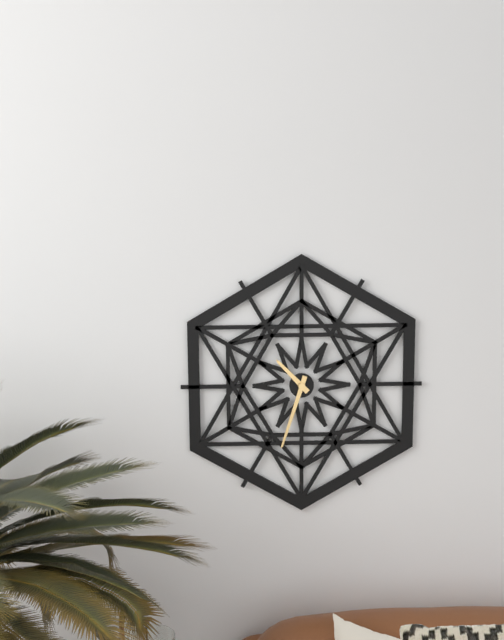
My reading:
**10:33**
